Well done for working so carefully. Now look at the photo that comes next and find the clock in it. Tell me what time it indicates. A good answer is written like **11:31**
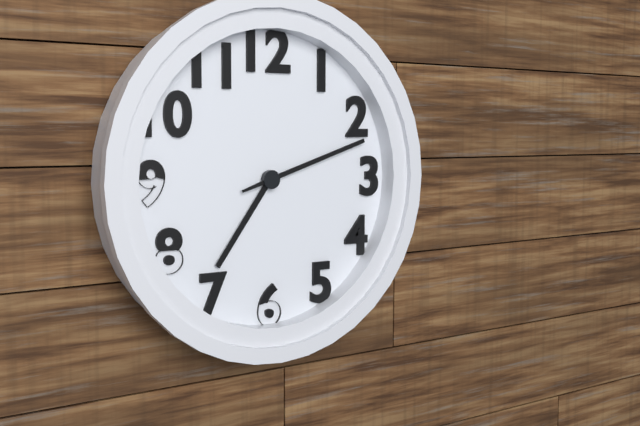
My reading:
**7:12**
